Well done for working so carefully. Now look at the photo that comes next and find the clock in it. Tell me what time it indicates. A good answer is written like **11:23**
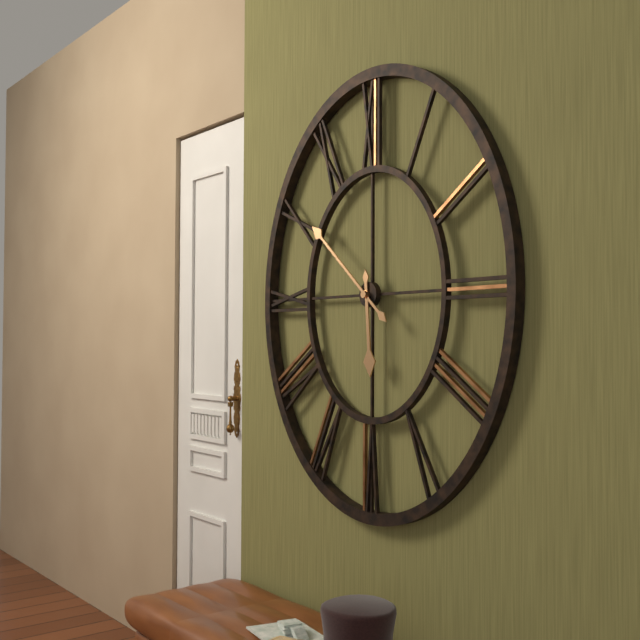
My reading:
**5:52**
